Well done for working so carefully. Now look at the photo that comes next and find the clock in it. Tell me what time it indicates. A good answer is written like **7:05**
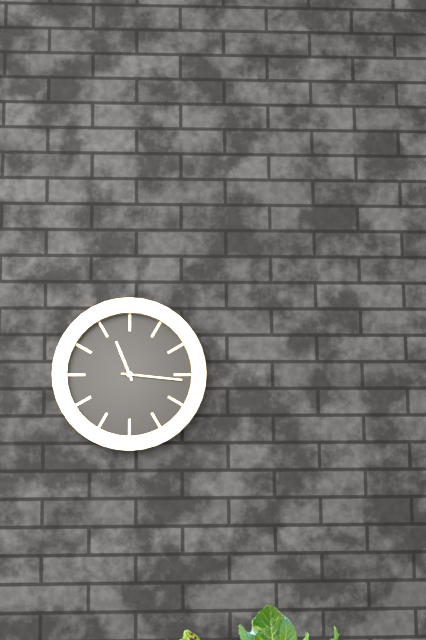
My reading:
**11:16**
